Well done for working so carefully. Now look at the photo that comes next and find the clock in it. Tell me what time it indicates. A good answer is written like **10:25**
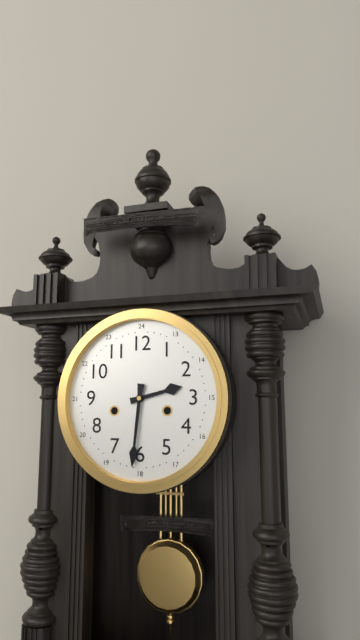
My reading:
**2:31**
